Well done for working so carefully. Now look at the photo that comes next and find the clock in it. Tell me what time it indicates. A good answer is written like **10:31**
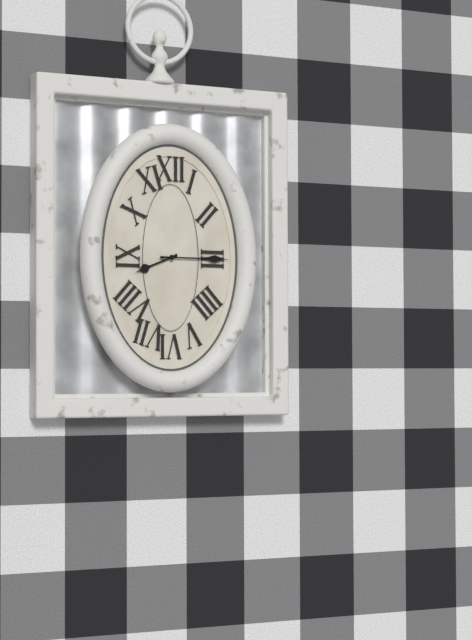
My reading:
**8:15**
